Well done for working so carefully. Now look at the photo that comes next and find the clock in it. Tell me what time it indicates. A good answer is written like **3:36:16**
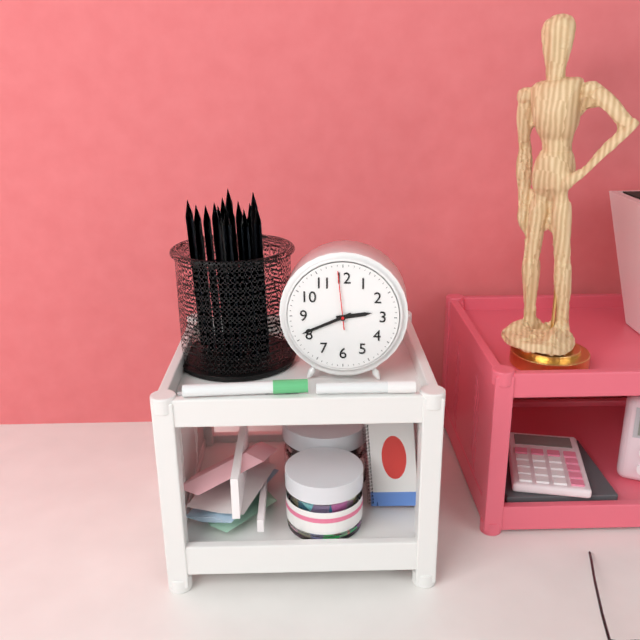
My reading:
**2:41:59**
